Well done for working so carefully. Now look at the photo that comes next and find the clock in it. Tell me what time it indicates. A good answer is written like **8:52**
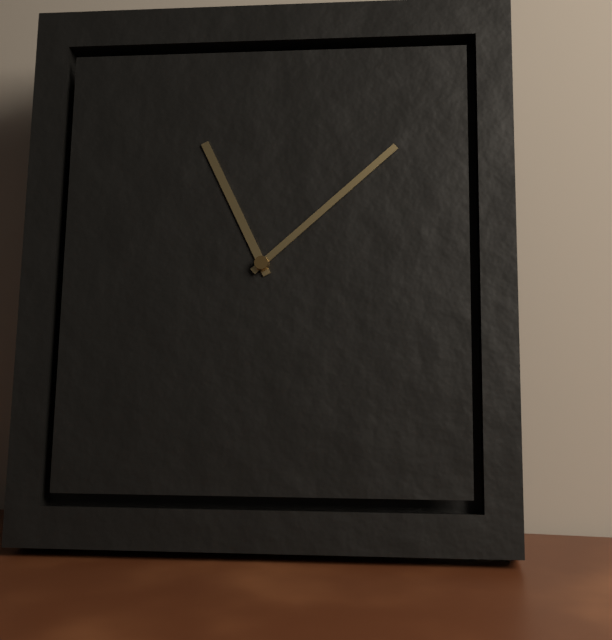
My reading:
**11:08**
